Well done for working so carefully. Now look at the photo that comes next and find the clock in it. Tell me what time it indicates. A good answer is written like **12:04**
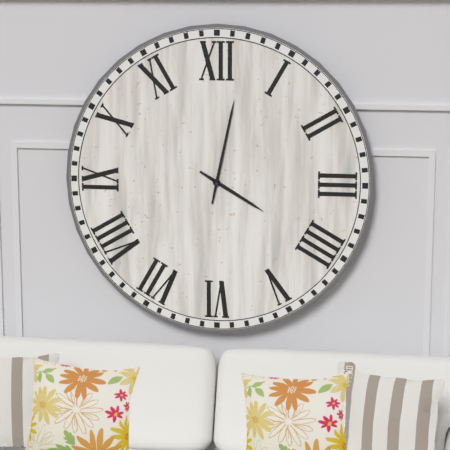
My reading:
**4:02**
